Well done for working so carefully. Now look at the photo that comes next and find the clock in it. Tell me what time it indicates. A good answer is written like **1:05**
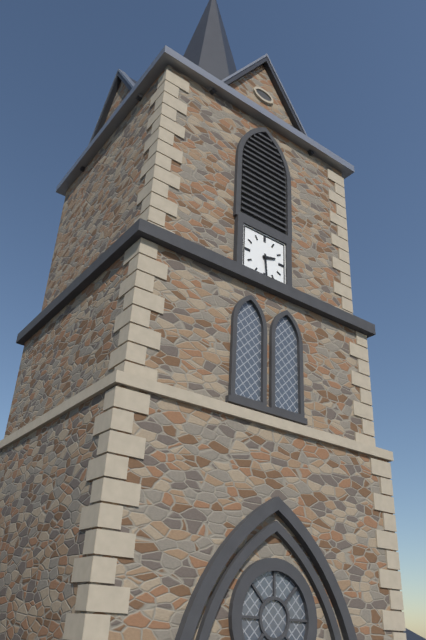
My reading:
**2:29**
